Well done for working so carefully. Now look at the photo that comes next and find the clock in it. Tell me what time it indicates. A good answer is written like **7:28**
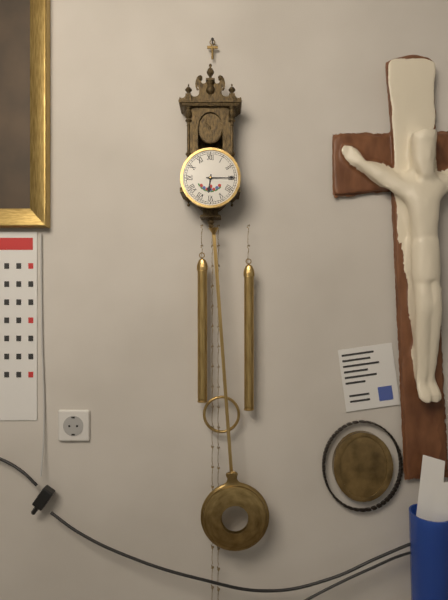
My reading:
**6:15**
